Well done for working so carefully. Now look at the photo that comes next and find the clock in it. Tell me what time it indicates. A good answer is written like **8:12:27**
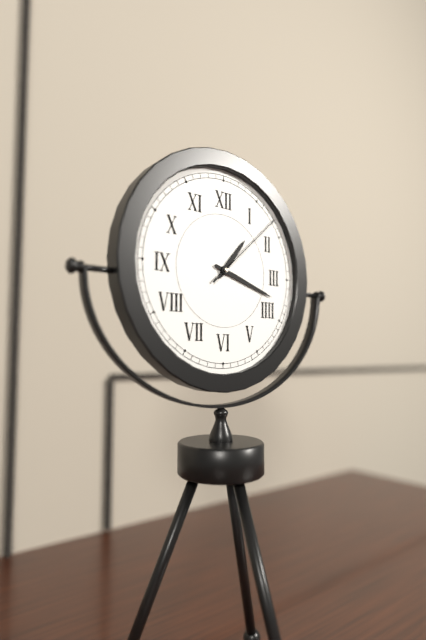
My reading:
**1:18:08**
